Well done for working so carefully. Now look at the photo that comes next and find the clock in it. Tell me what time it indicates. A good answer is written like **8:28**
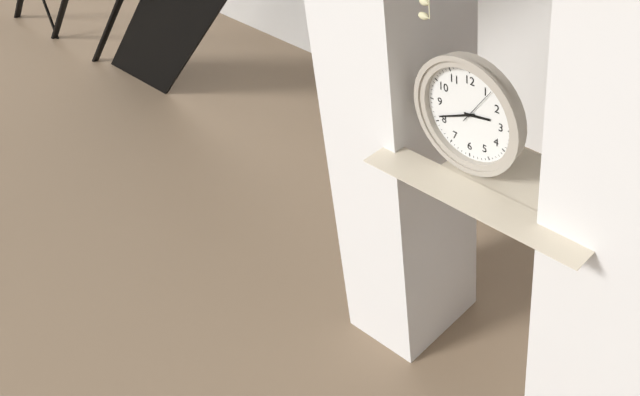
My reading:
**2:41**
